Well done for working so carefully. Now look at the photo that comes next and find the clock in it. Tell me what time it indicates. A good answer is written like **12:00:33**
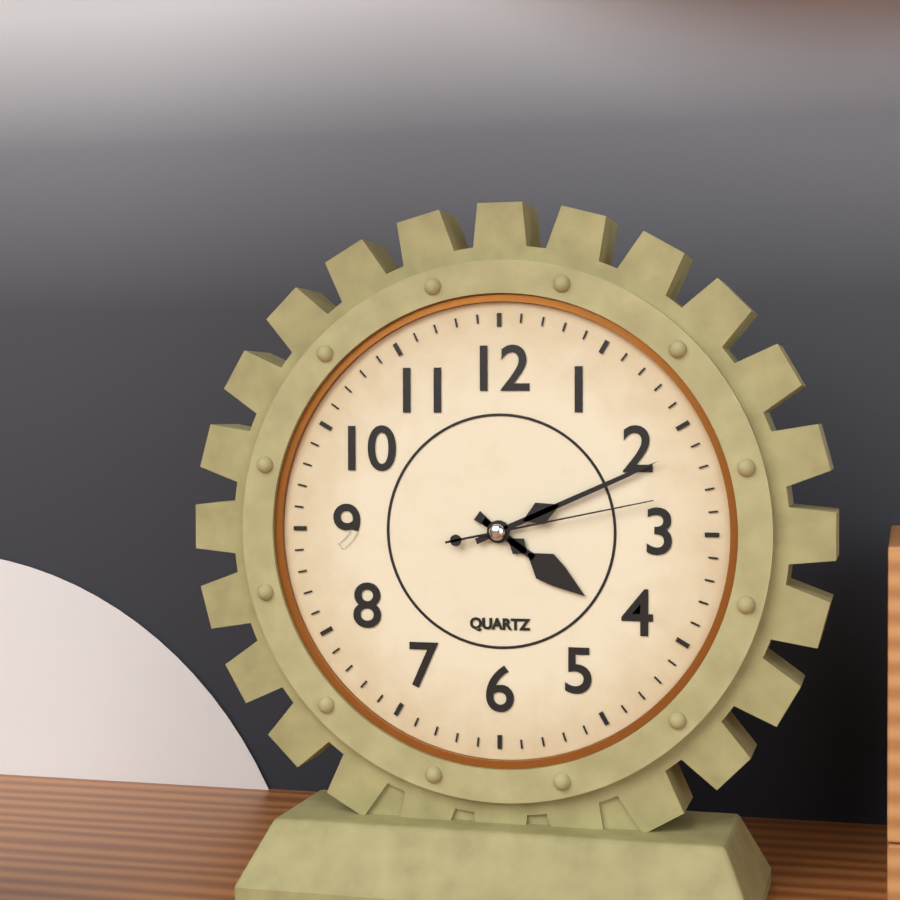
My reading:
**4:11:13**
